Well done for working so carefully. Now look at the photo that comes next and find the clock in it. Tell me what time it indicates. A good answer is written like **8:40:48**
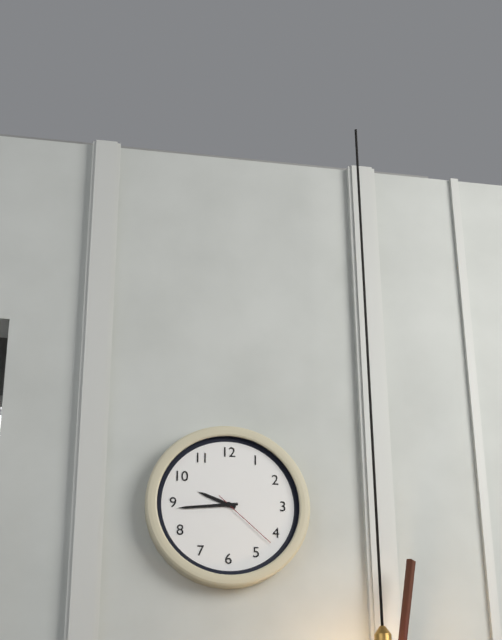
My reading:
**9:44:22**
